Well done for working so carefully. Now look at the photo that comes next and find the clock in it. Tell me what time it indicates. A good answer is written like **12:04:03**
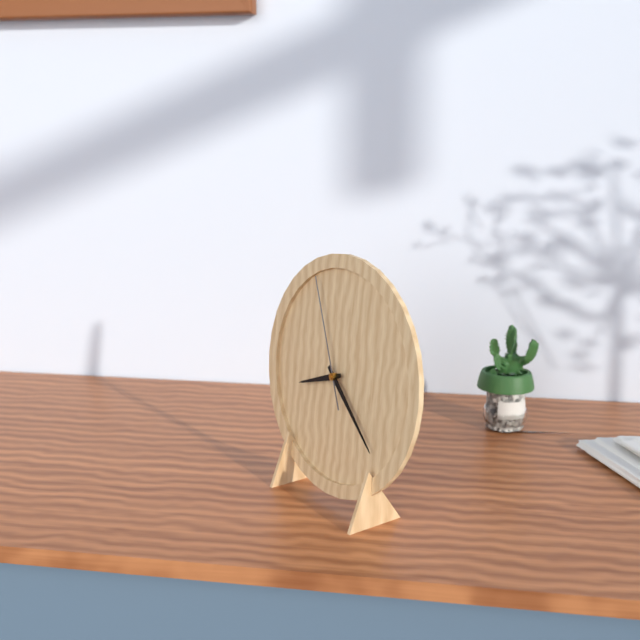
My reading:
**8:22:56**
